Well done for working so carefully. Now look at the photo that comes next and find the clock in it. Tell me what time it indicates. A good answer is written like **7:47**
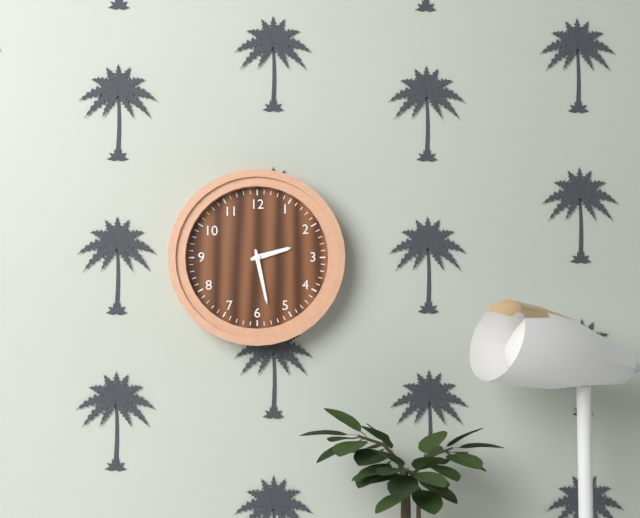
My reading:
**2:28**
